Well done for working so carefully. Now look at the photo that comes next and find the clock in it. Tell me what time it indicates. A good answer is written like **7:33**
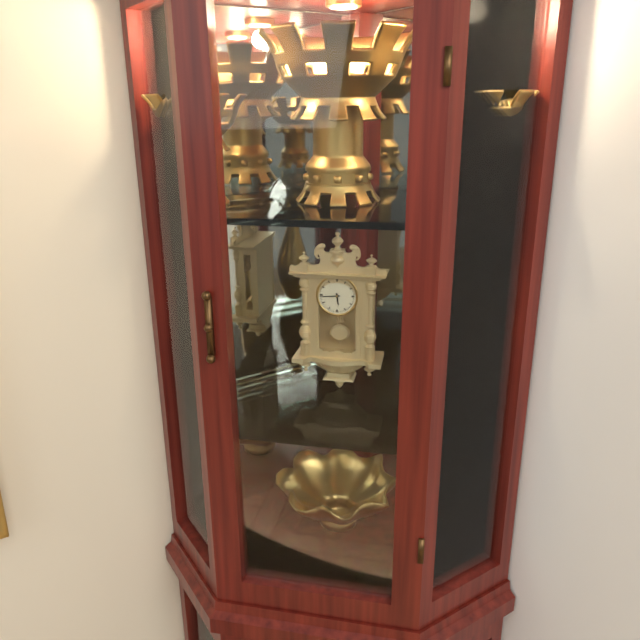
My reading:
**5:44**
